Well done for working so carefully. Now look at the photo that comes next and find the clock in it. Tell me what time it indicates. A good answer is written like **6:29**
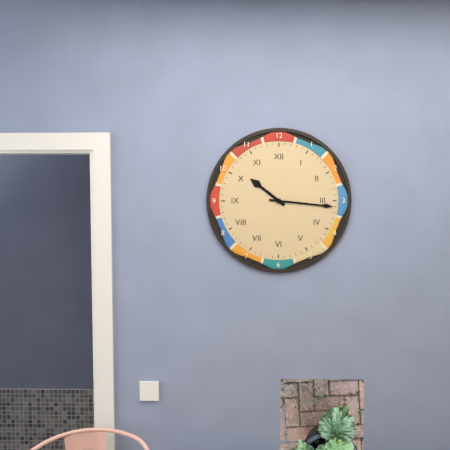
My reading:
**10:16**
